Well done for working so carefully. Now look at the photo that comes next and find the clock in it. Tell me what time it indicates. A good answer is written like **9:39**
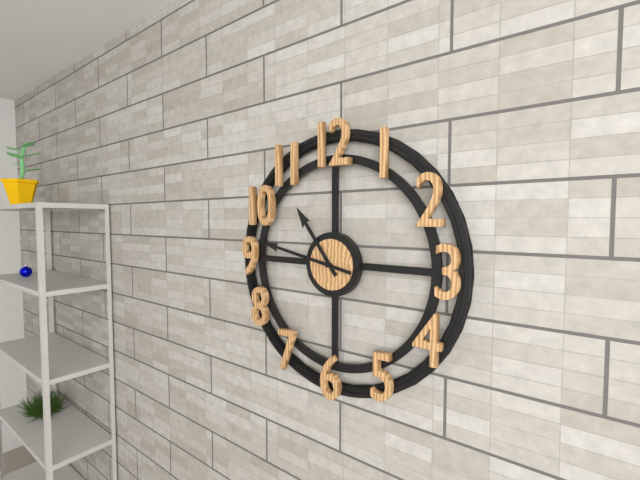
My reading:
**10:47**
